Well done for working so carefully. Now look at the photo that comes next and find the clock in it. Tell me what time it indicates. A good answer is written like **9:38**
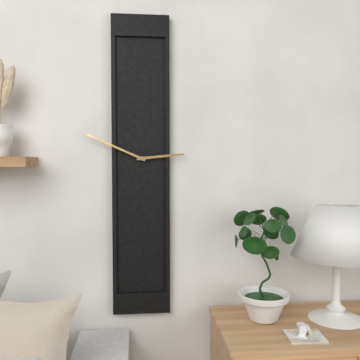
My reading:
**2:49**
